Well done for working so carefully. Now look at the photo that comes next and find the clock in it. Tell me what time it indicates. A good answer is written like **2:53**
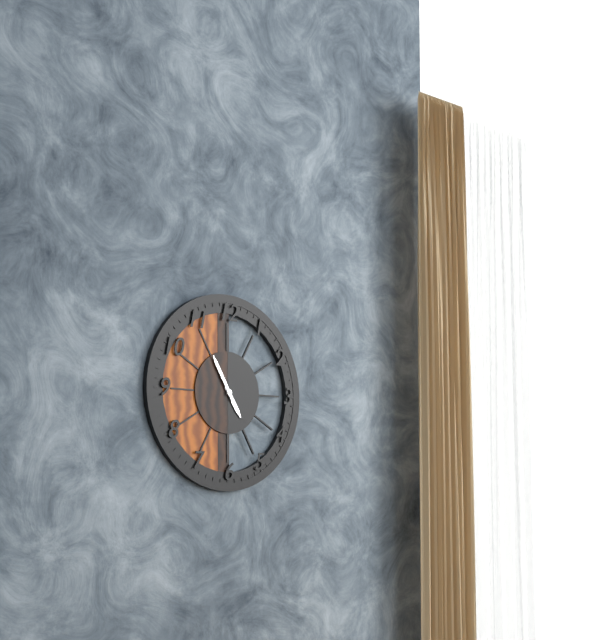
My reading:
**4:55**
